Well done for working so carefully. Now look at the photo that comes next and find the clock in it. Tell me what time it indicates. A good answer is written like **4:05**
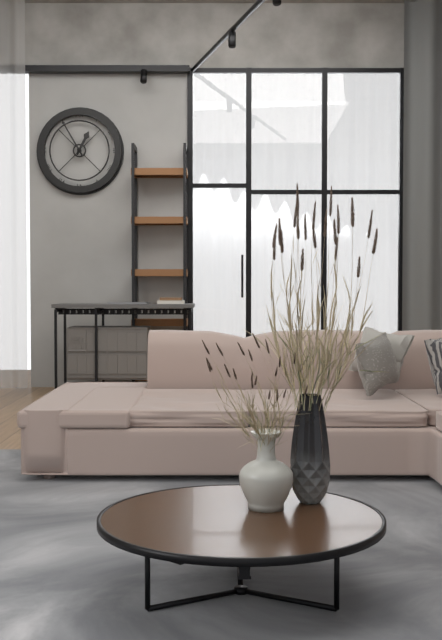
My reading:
**12:55**
